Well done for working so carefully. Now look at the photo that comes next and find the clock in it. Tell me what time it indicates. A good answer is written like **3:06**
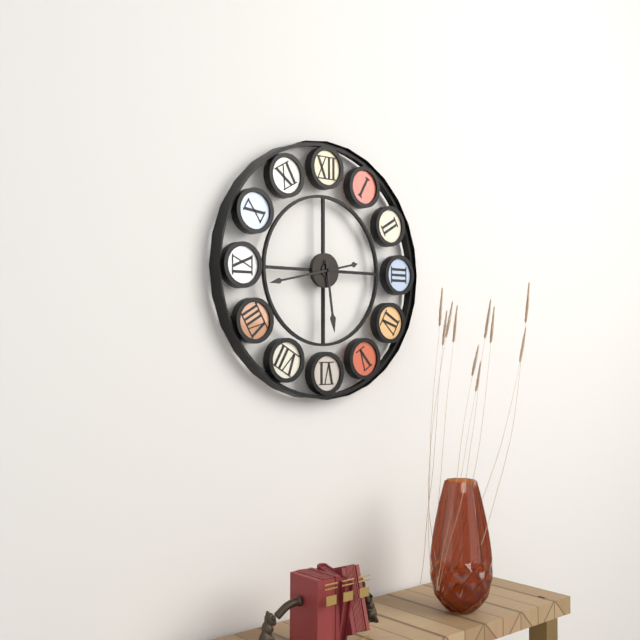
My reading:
**5:43**
